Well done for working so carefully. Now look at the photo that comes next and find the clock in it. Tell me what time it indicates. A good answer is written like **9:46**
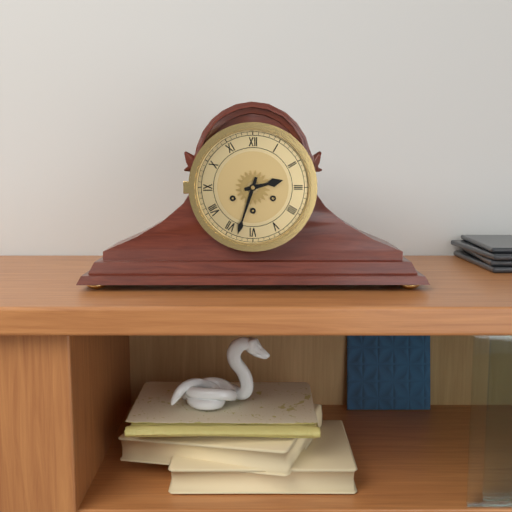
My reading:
**2:33**
